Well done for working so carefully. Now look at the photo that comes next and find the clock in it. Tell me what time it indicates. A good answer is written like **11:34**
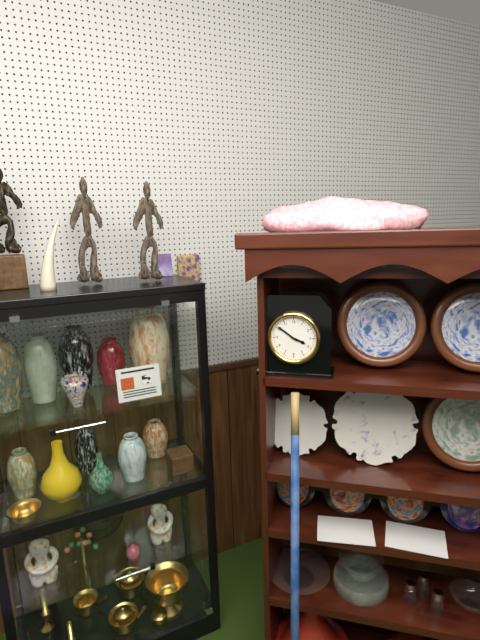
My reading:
**3:51**
